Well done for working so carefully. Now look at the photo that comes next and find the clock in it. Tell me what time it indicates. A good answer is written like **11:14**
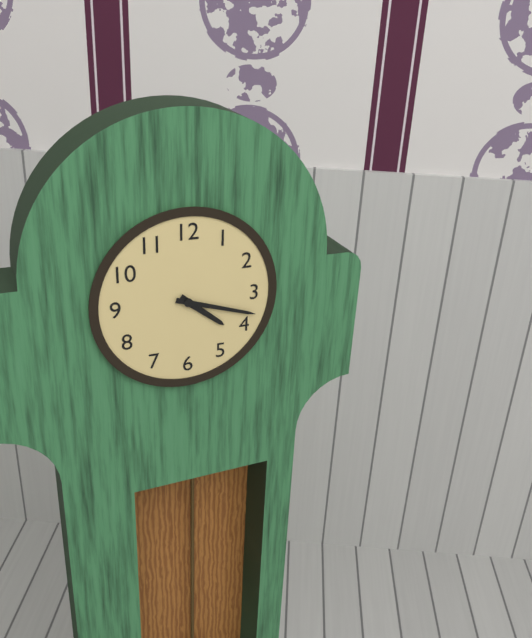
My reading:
**4:18**
